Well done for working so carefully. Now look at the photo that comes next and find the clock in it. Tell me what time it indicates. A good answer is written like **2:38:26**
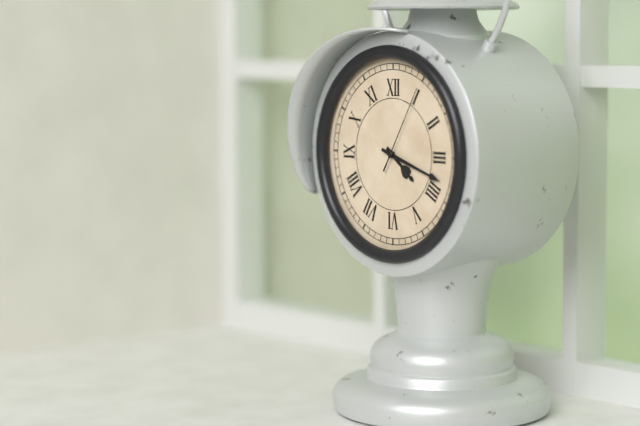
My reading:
**4:18:05**
